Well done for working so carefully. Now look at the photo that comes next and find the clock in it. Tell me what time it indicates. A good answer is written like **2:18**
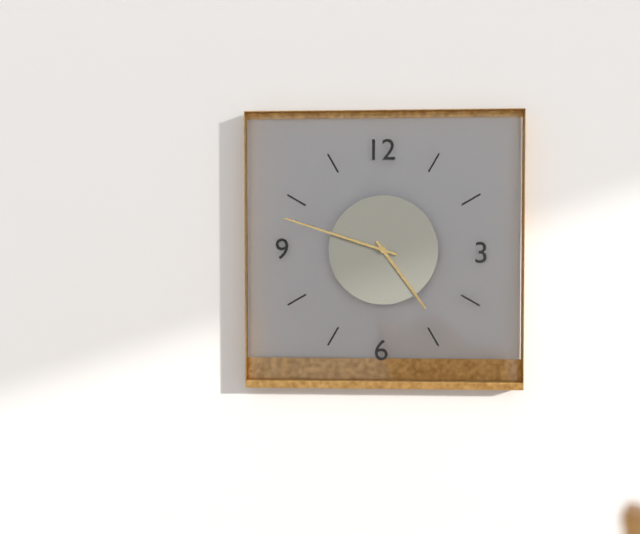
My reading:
**4:48**
